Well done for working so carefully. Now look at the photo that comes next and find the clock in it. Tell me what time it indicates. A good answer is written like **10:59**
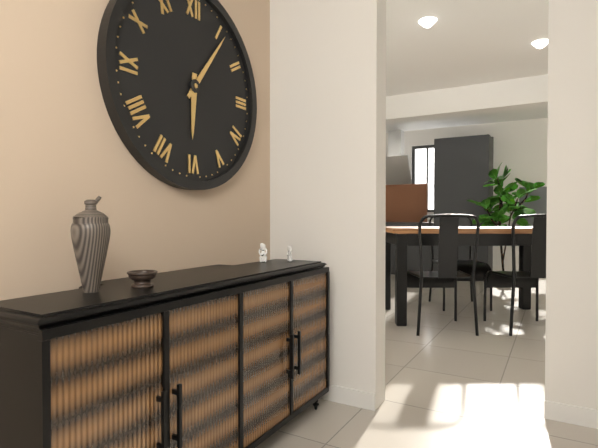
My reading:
**6:06**
